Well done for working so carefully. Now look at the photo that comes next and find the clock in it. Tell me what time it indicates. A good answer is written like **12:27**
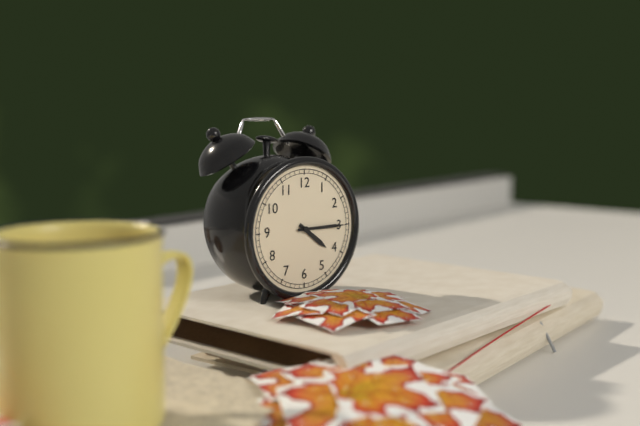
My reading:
**4:15**
